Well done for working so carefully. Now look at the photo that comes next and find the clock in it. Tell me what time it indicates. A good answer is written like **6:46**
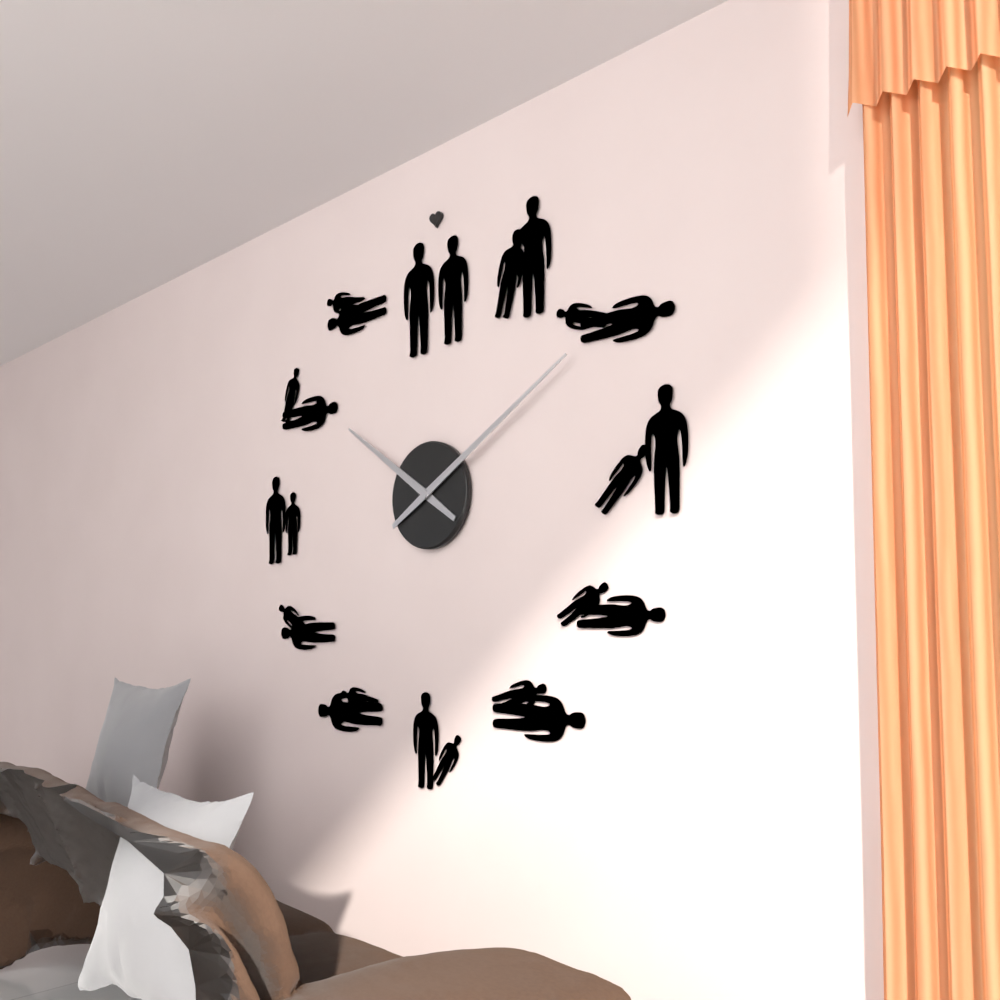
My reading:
**10:10**
